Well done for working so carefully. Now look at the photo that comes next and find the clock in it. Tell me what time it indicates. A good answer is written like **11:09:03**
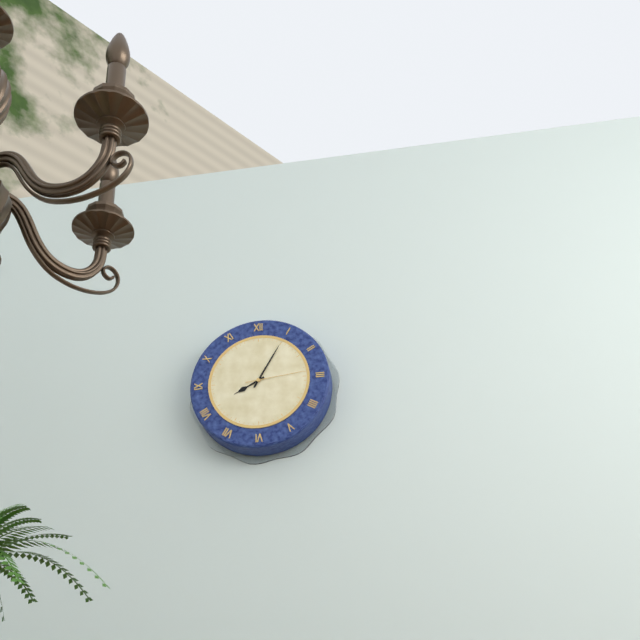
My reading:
**8:05:14**
